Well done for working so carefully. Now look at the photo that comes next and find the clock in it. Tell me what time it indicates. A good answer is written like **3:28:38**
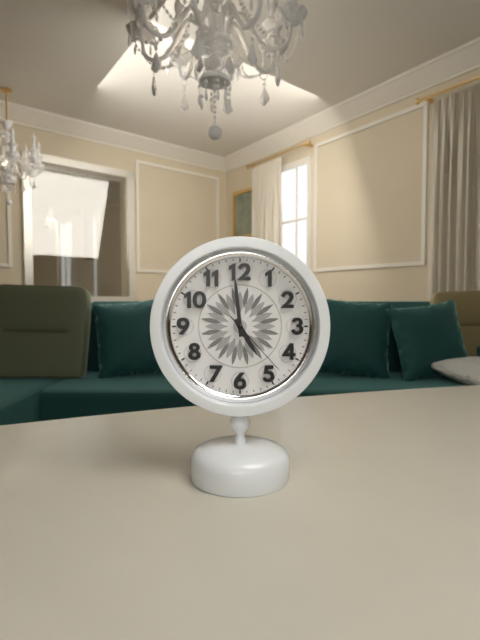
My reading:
**4:59:23**
